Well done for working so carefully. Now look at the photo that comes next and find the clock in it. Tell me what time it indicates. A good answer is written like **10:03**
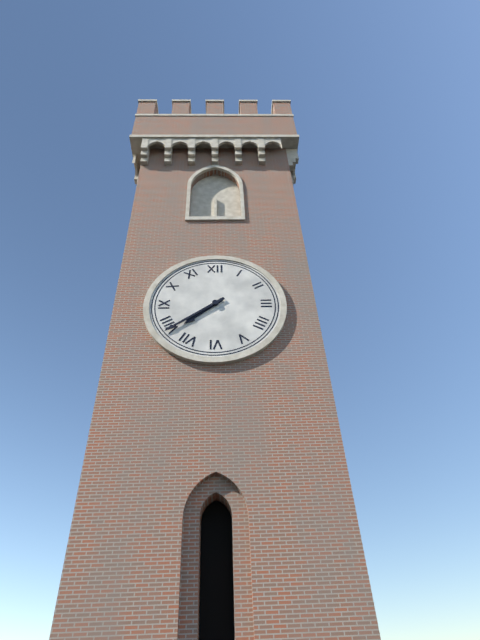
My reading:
**7:39**
